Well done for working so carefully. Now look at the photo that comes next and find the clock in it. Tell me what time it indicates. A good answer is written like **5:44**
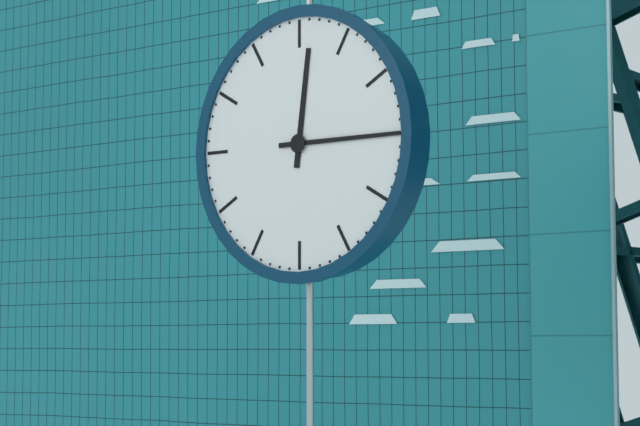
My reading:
**12:15**
